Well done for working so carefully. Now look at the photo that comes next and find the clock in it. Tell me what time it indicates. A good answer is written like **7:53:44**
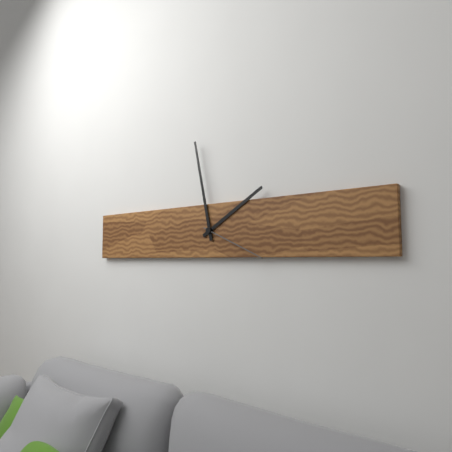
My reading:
**1:58:19**
